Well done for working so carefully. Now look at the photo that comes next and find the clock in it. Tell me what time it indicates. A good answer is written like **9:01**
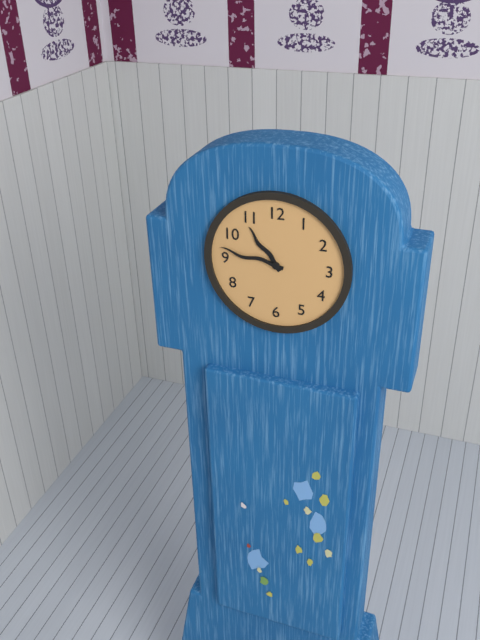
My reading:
**10:47**
